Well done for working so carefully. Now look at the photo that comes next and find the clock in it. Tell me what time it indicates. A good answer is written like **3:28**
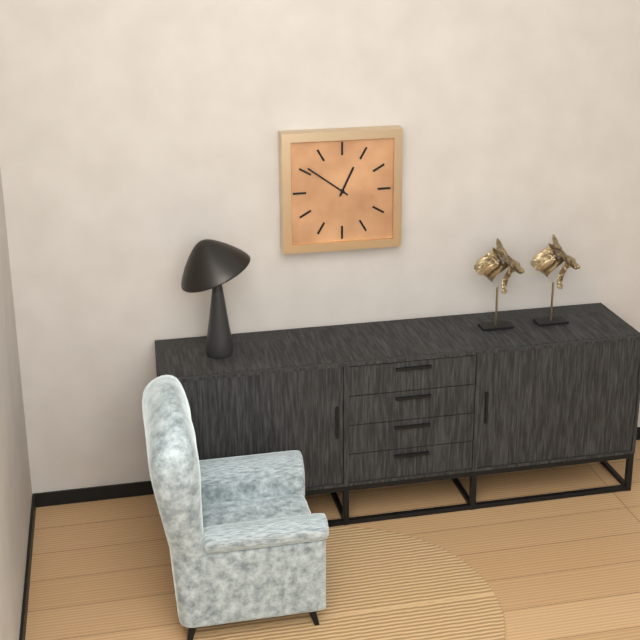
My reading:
**12:51**
